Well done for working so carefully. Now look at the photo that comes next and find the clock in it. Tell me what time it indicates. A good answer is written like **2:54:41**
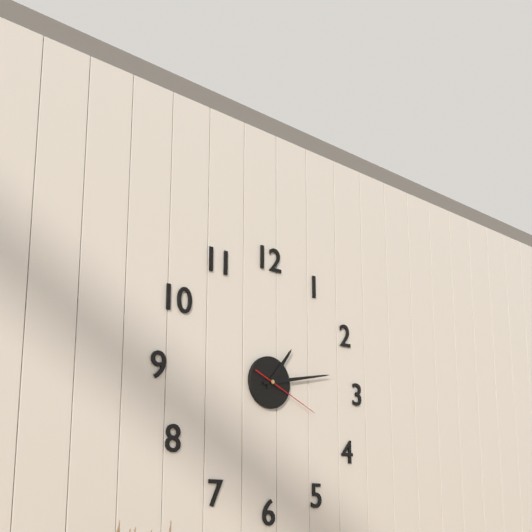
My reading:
**1:13:19**
